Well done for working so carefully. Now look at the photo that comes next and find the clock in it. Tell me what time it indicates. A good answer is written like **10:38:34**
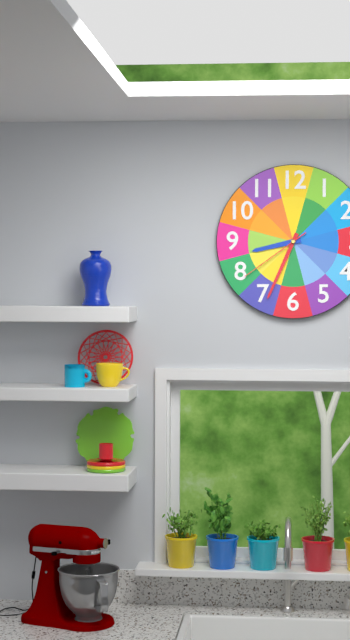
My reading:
**8:34:39**
